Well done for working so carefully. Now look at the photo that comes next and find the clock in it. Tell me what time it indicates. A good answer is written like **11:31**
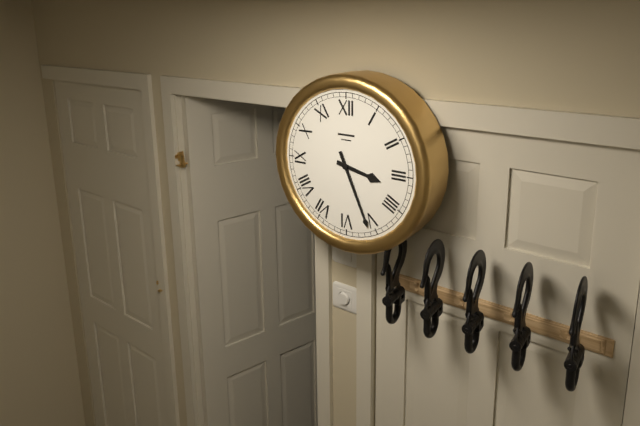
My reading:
**3:26**
